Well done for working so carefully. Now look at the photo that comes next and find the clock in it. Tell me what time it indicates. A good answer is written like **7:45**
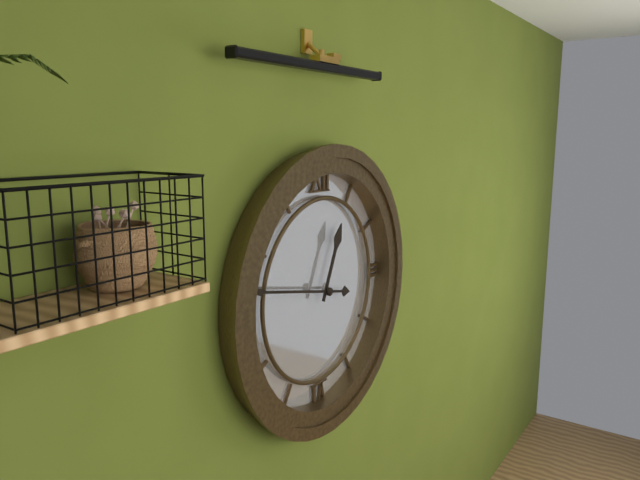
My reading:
**12:47**
